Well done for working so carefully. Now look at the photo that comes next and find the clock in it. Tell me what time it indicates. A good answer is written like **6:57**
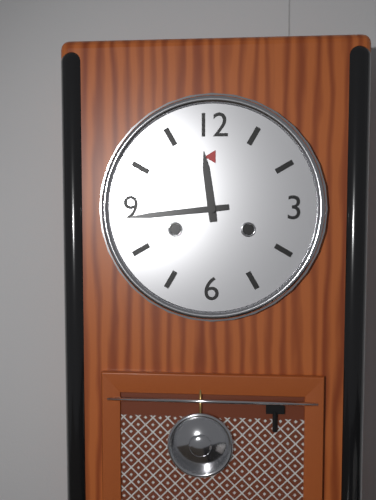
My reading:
**11:44**
